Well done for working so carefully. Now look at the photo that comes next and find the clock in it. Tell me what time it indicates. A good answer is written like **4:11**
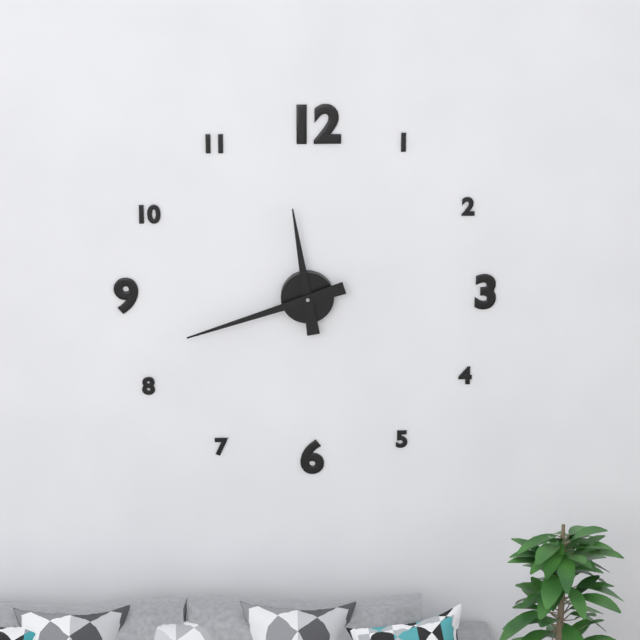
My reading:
**11:42**
